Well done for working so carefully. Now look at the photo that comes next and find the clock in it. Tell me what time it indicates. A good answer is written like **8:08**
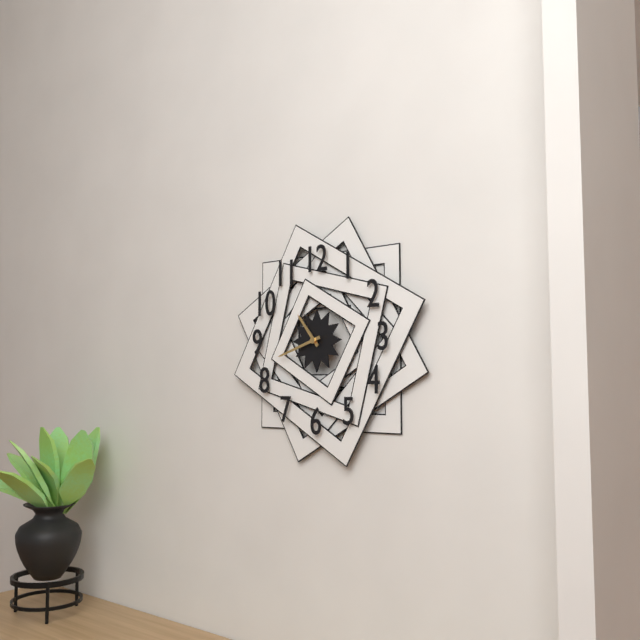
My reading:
**10:42**
